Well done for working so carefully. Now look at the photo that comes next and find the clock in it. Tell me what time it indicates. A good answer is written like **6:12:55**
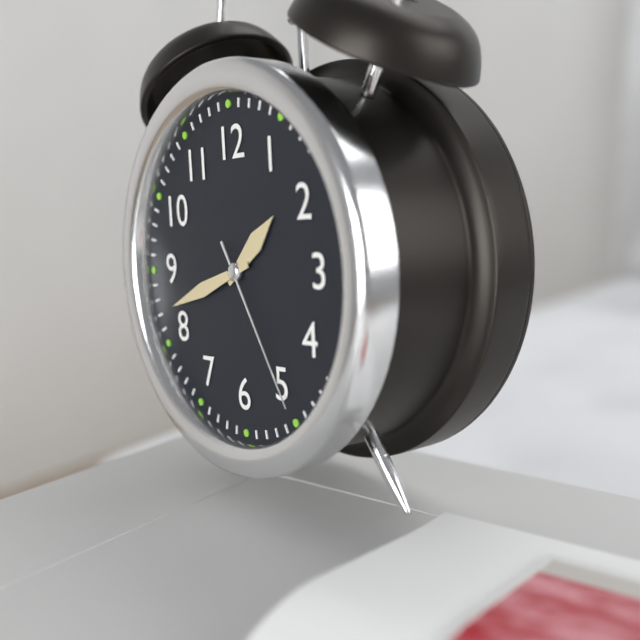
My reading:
**1:42:25**
